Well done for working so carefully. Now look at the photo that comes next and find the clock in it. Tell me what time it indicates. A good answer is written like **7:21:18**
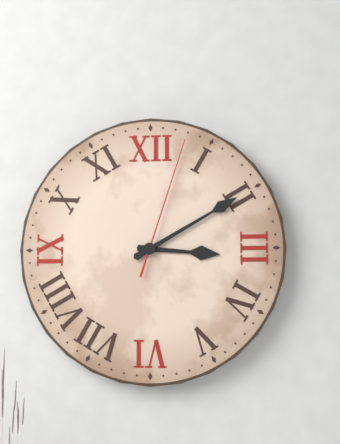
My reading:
**3:10:03**
